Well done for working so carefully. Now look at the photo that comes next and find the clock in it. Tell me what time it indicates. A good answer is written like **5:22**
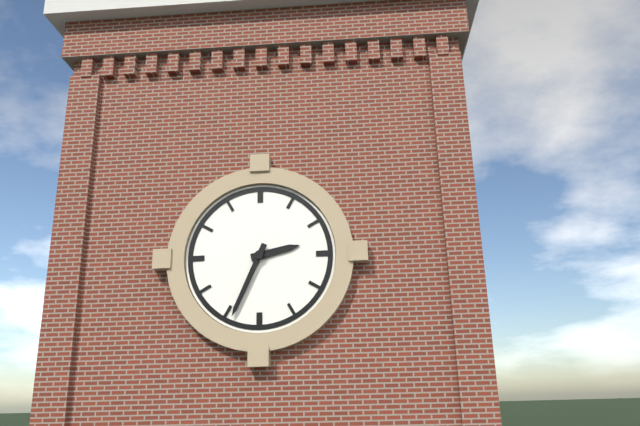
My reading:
**2:34**
